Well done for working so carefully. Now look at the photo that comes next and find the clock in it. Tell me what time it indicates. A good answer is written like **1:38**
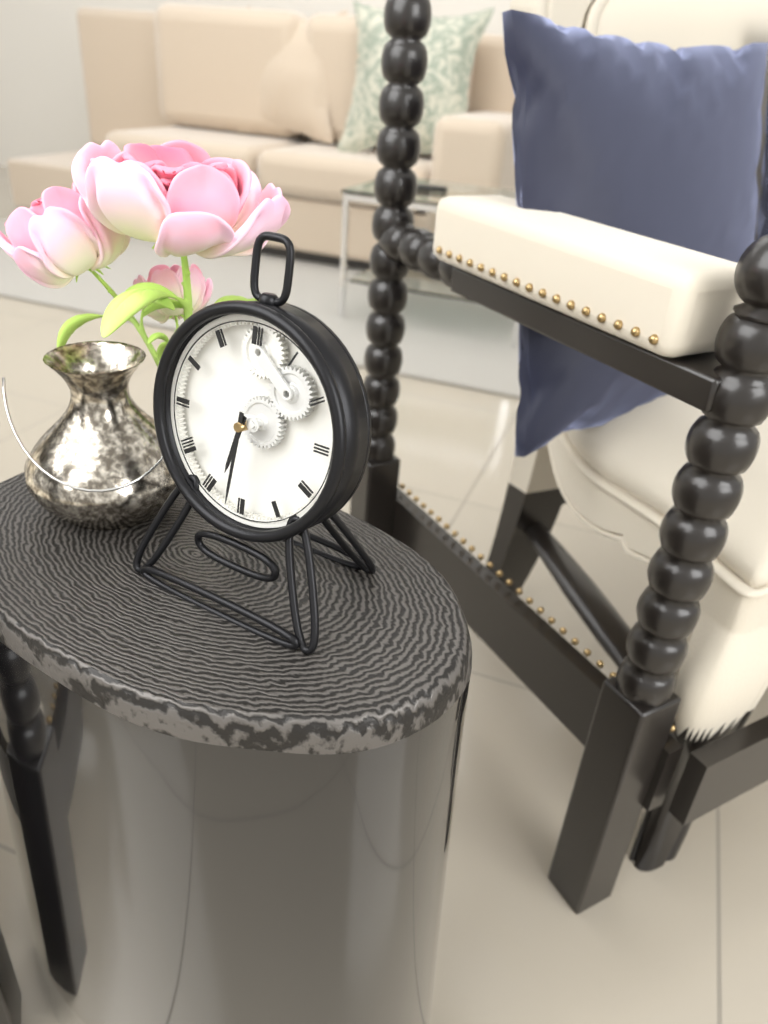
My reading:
**6:31**
